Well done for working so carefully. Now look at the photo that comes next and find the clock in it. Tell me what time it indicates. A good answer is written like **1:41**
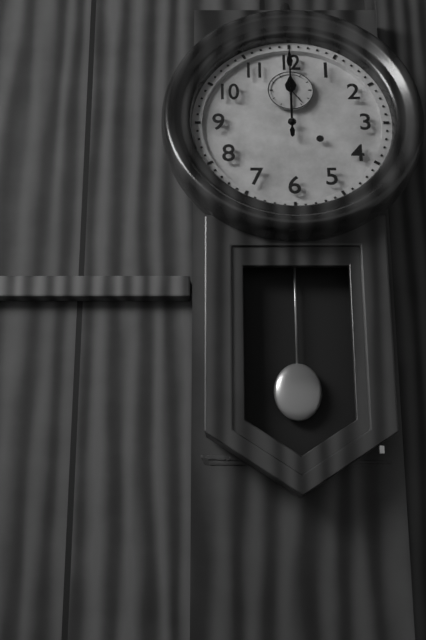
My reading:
**12:00**
